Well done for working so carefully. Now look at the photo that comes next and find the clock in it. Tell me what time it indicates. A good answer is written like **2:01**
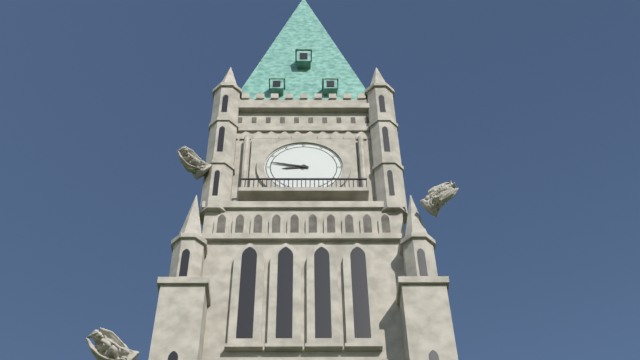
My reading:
**8:47**
